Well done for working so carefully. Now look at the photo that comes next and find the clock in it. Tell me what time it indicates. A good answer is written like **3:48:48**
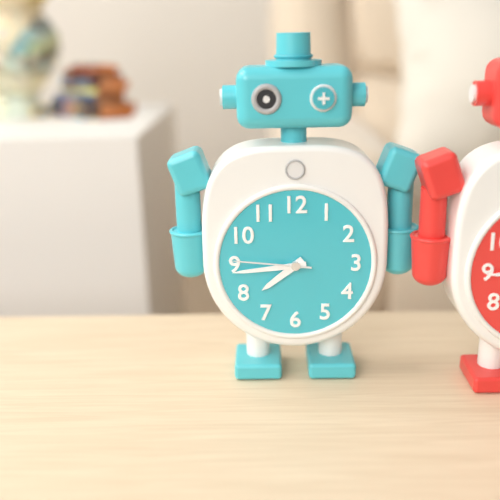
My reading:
**7:44:46**
